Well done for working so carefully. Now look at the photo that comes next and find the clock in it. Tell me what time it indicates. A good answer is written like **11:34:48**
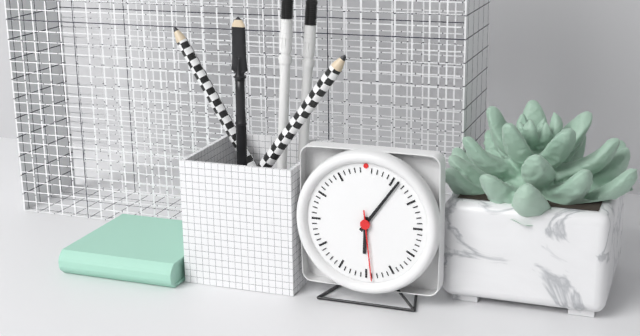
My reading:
**6:06:29**
